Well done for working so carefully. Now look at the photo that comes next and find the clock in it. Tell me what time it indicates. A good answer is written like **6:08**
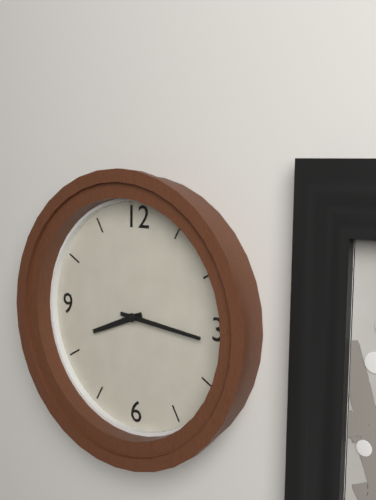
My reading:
**8:16**
